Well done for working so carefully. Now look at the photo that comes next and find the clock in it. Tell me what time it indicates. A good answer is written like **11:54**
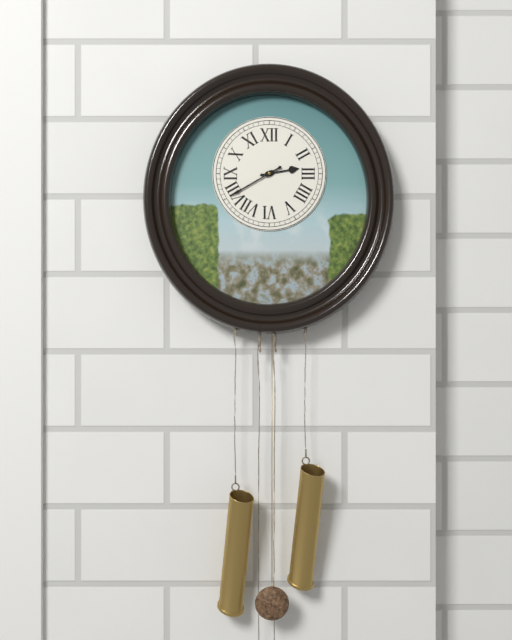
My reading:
**2:40**
